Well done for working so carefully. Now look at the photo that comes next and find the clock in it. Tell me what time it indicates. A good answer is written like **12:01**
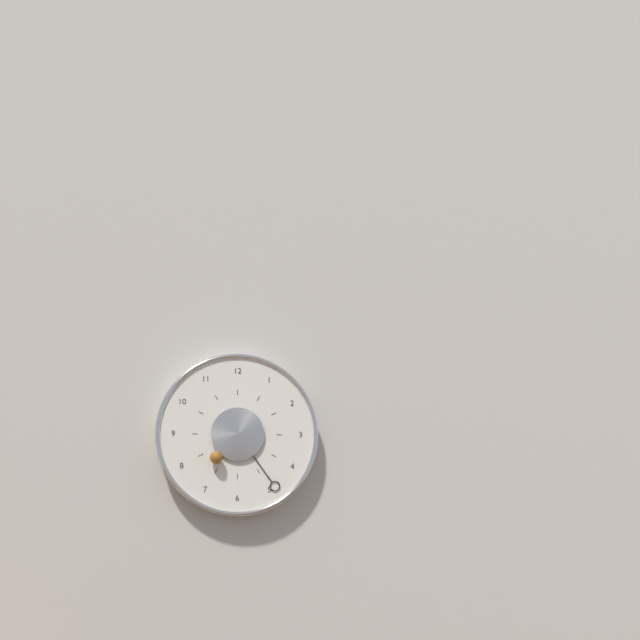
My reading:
**7:24**
